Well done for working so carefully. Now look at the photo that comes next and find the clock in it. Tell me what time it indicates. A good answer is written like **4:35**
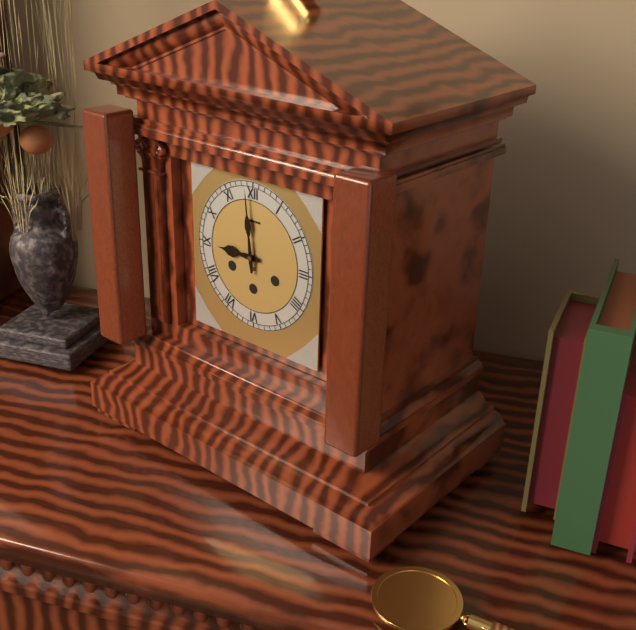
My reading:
**8:59**
